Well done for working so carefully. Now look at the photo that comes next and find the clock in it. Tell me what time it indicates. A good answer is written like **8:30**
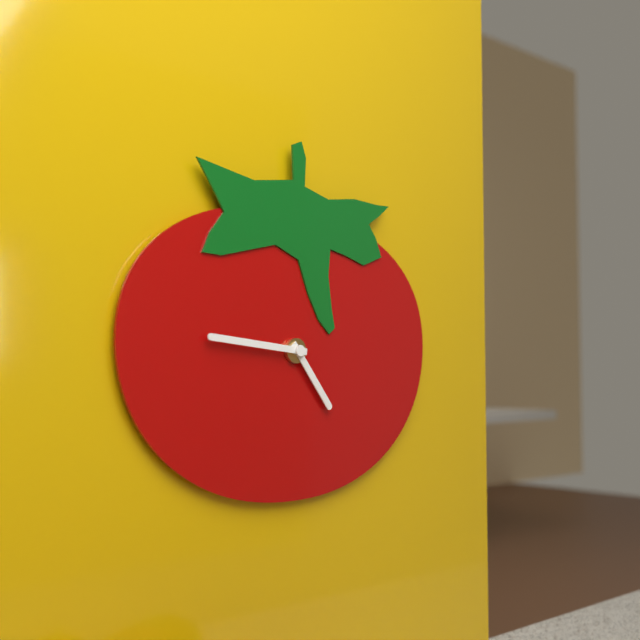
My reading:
**4:46**
